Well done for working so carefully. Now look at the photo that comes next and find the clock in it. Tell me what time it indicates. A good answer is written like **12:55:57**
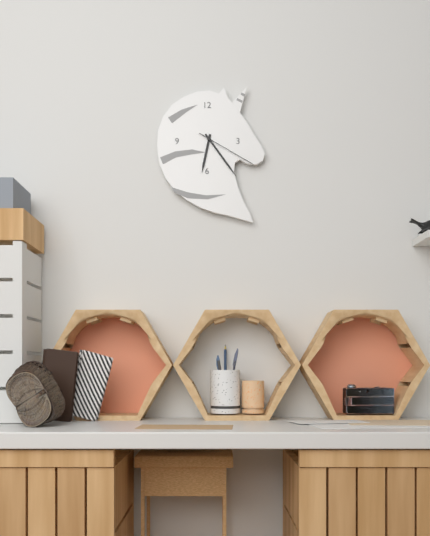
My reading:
**6:24:20**
